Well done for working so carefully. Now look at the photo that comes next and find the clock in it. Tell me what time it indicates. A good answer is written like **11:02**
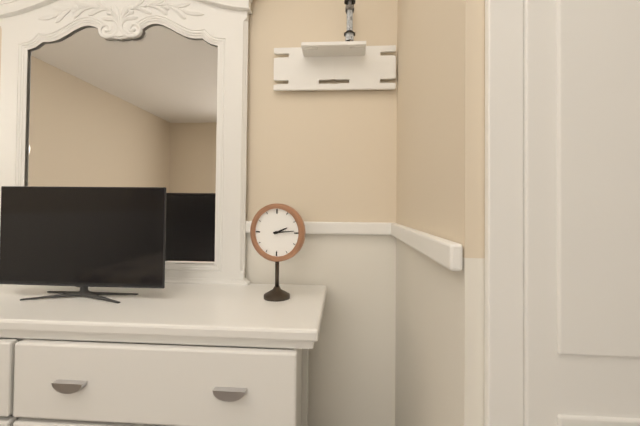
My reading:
**2:14**
